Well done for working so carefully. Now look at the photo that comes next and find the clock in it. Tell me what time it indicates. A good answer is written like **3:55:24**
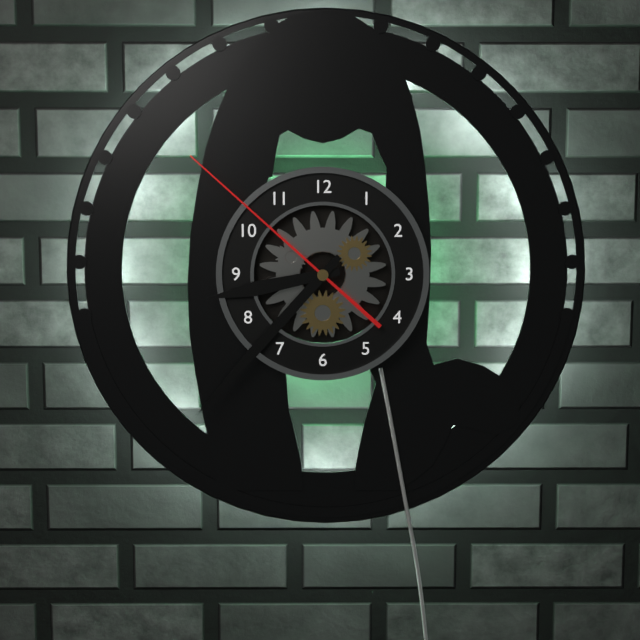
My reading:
**8:37:52**
